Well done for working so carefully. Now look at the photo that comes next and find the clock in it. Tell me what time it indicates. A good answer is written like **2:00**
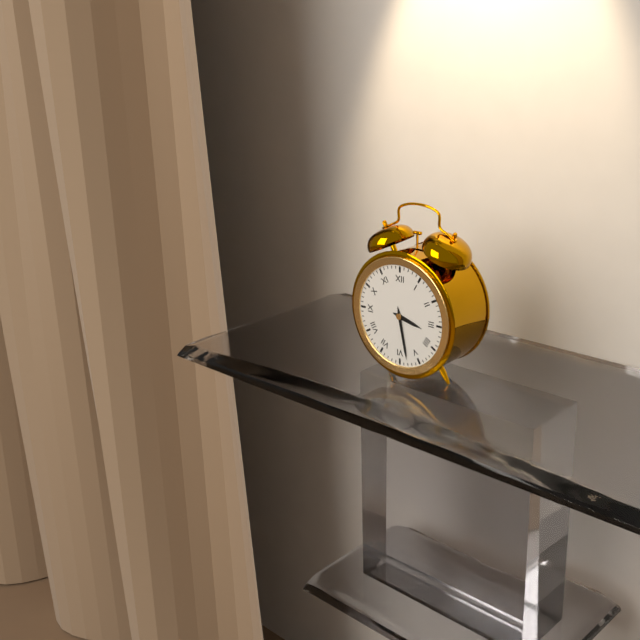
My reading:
**3:28**
